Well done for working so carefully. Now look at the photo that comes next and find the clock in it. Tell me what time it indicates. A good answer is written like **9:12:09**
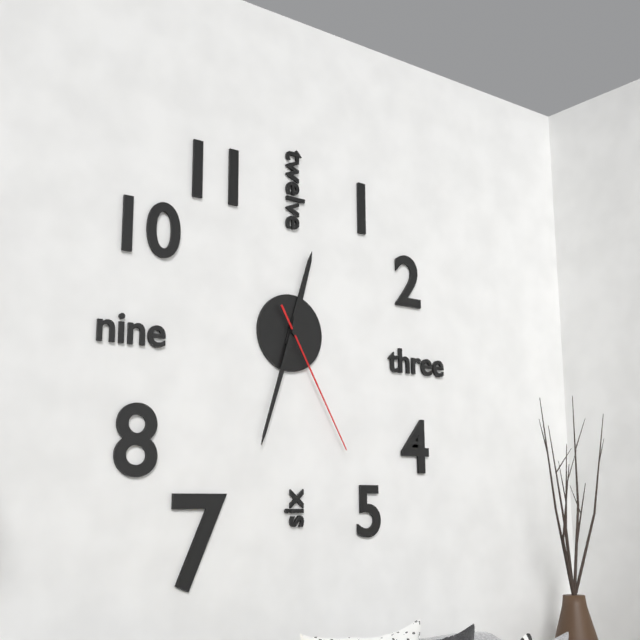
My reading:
**12:33:25**
